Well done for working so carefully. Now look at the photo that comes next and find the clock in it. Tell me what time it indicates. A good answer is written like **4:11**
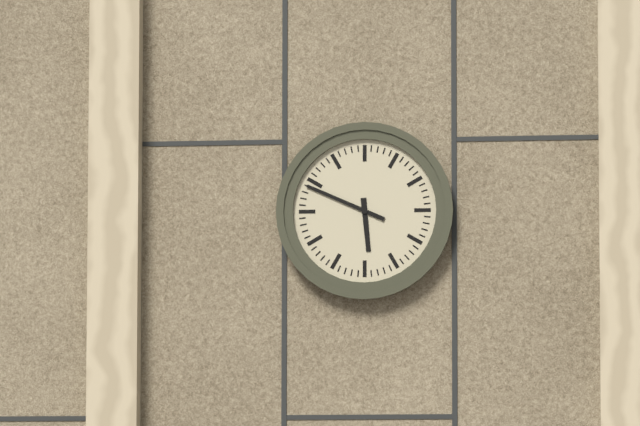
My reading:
**5:49**
